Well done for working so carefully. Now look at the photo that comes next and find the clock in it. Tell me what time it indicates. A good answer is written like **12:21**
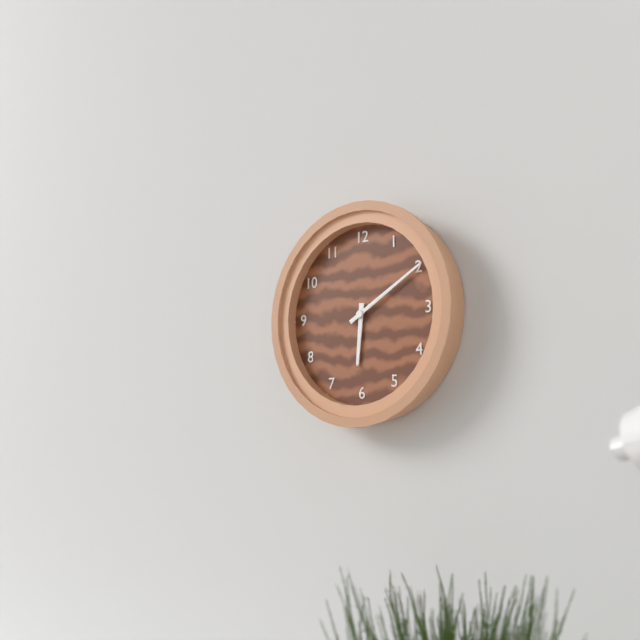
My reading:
**6:10**
